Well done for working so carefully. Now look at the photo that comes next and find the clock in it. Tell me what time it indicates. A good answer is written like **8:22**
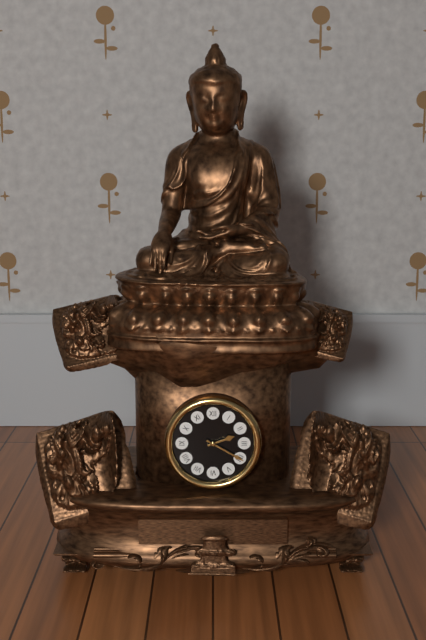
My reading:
**2:20**
